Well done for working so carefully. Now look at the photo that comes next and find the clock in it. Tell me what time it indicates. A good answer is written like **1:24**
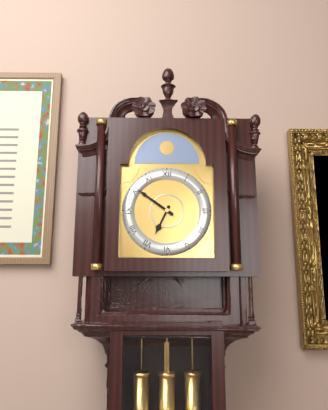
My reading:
**6:51**
